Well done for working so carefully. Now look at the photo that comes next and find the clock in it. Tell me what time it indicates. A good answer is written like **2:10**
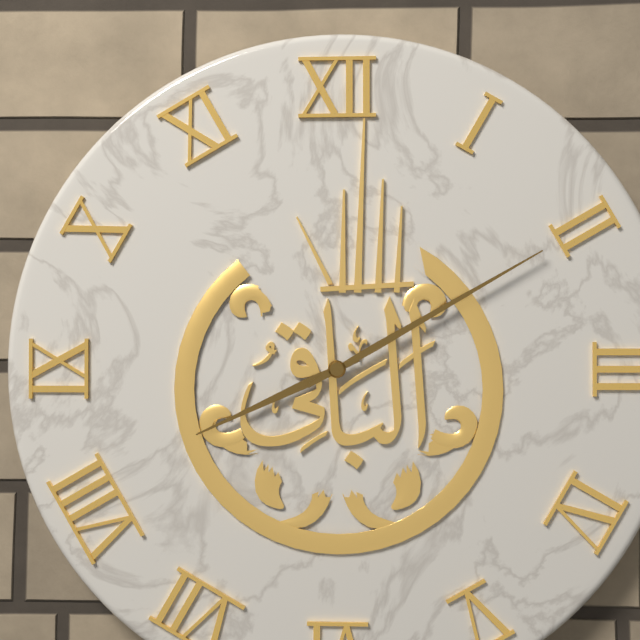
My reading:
**8:10**
